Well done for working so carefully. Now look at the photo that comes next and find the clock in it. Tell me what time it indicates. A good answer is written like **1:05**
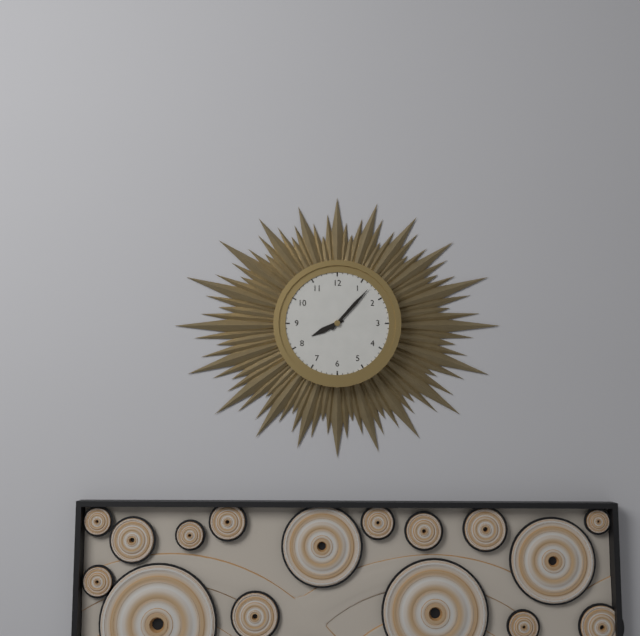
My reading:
**8:07**
